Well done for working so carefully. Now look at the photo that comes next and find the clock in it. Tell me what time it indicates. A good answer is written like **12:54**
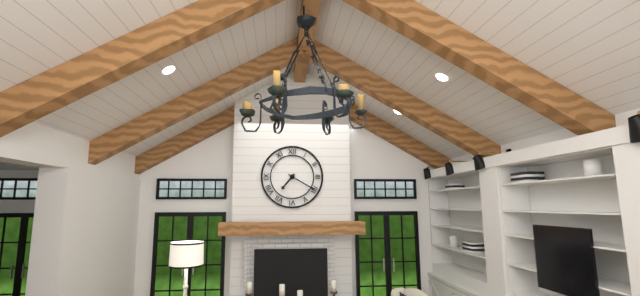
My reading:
**7:20**
